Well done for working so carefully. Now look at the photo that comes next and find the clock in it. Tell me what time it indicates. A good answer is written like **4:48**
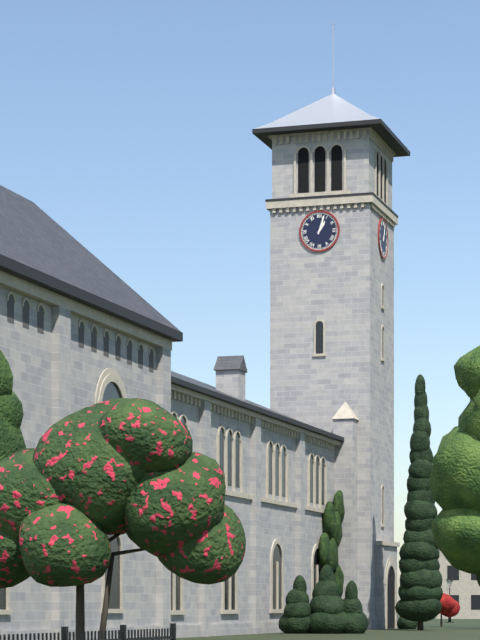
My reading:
**1:03**
